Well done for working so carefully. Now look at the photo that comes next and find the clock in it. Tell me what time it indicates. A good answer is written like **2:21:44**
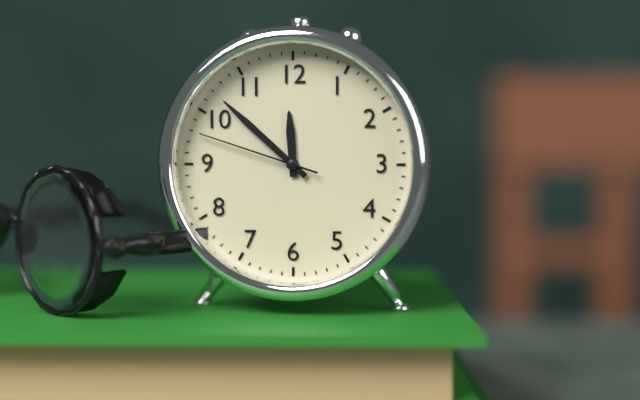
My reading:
**11:52:48**
